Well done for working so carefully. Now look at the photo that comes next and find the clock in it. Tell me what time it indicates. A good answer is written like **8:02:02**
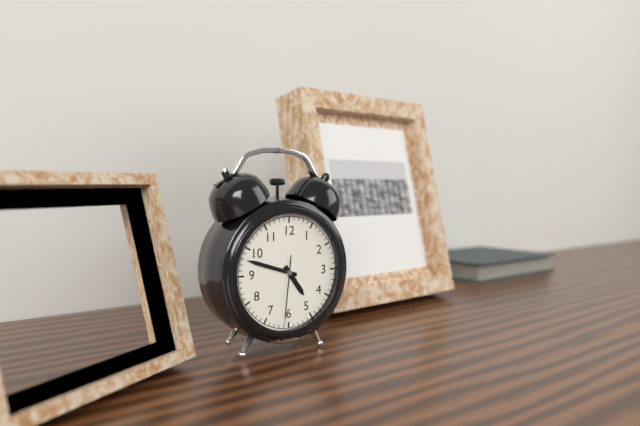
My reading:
**4:48:31**
